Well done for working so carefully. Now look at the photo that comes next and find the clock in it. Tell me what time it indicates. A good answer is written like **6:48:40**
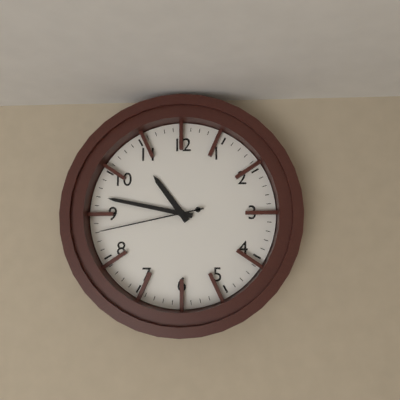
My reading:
**10:47:43**
